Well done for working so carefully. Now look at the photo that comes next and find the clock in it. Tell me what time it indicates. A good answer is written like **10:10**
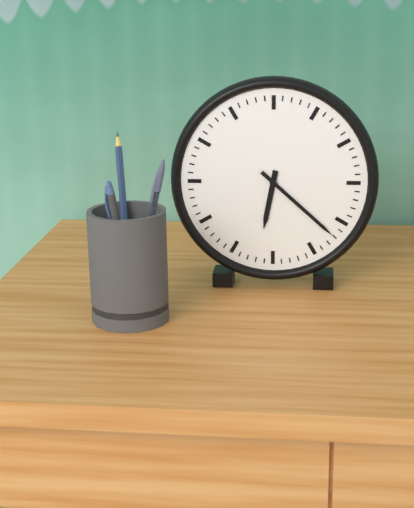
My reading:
**6:22**
